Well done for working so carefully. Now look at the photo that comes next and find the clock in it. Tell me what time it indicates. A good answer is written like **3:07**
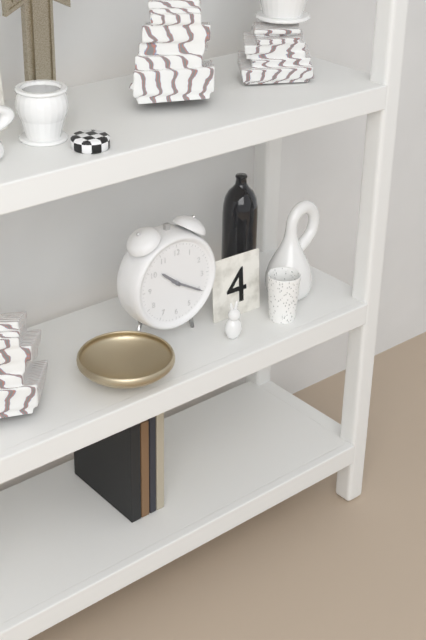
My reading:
**10:20**
